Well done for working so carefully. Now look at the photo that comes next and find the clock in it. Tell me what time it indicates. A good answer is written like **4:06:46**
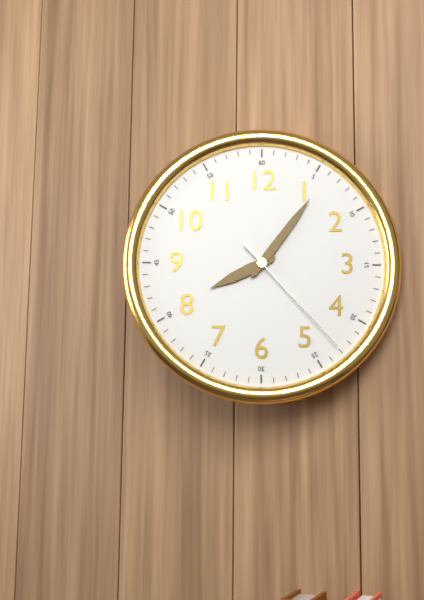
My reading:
**8:06:23**
